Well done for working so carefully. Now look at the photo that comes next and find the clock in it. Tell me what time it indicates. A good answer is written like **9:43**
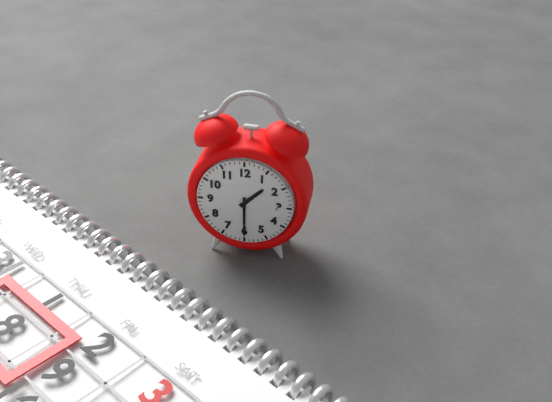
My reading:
**1:30**
